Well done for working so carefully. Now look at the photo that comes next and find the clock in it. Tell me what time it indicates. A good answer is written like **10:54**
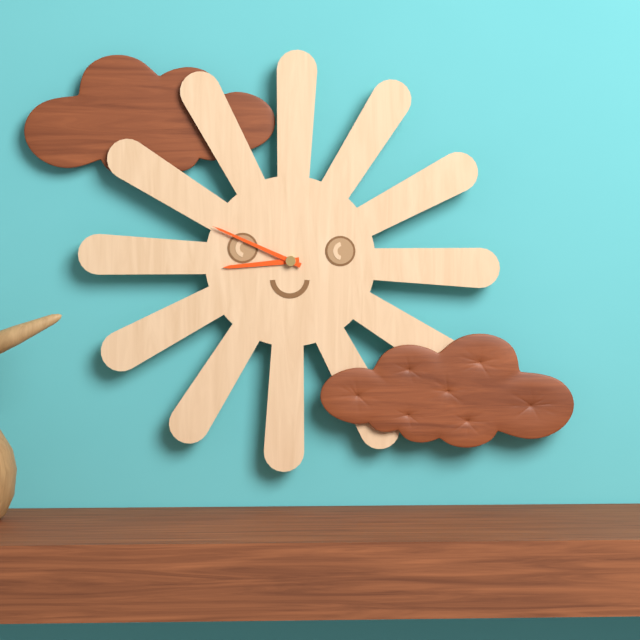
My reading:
**8:49**
